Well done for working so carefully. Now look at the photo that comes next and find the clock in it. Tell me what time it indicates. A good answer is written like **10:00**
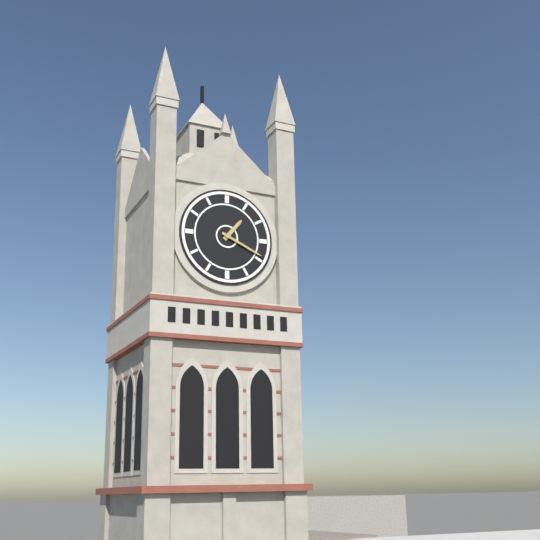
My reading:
**1:19**
